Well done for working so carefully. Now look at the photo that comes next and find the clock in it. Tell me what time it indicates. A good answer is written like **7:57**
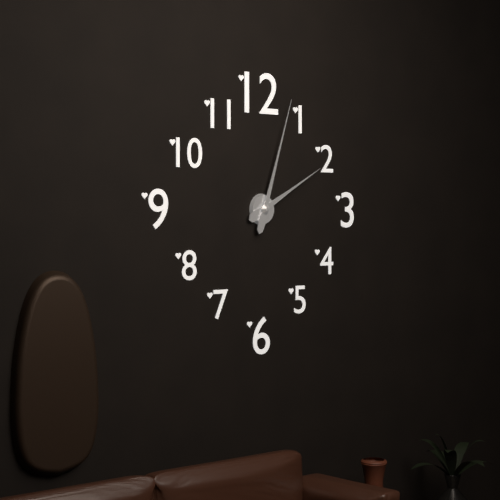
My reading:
**2:03**
